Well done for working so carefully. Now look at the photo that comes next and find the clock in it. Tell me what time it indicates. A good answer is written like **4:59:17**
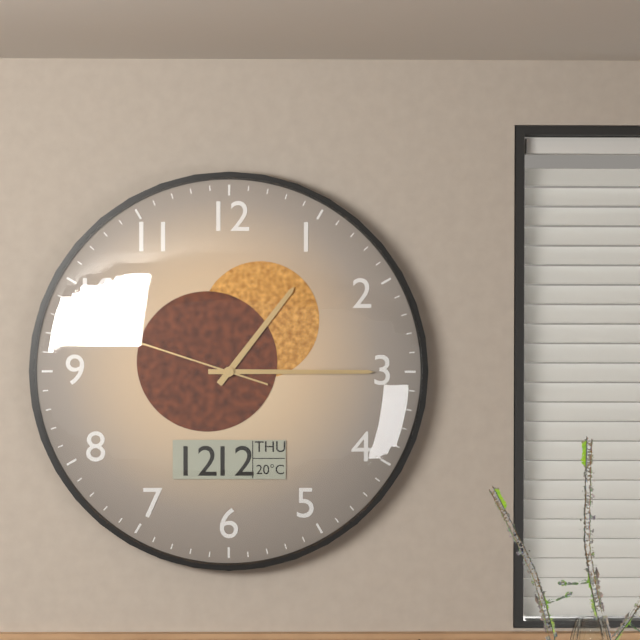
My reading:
**1:15:48**
